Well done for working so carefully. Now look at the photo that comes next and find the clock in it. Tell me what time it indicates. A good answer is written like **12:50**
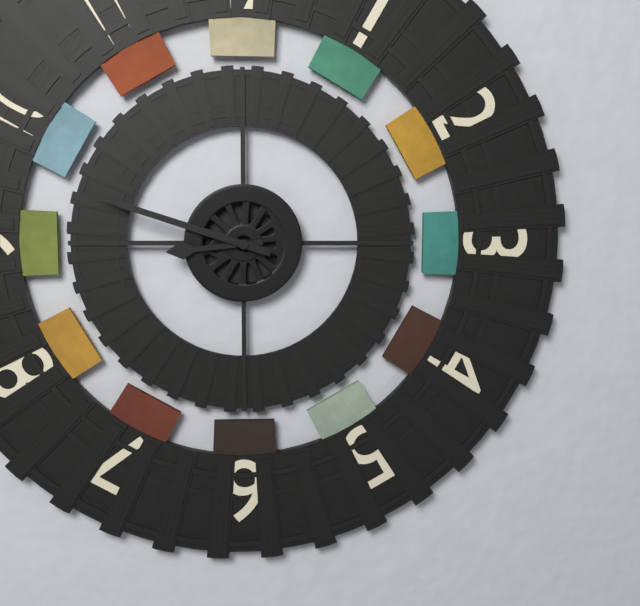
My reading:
**8:48**
